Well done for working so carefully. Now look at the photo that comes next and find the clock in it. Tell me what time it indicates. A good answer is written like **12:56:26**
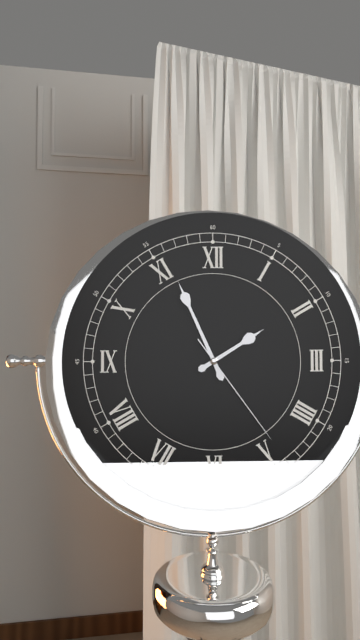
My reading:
**1:56:24**
